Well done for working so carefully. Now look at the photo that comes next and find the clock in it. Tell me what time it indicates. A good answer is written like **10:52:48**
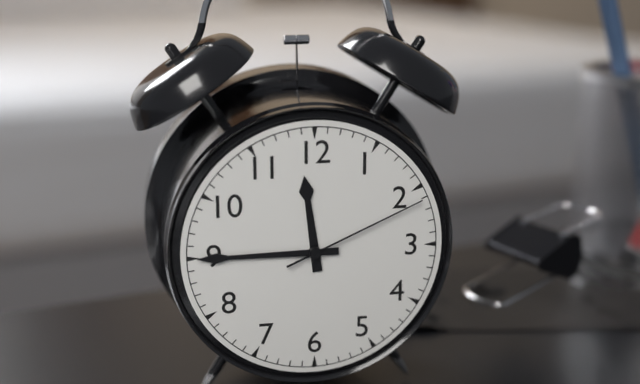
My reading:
**11:45:11**
